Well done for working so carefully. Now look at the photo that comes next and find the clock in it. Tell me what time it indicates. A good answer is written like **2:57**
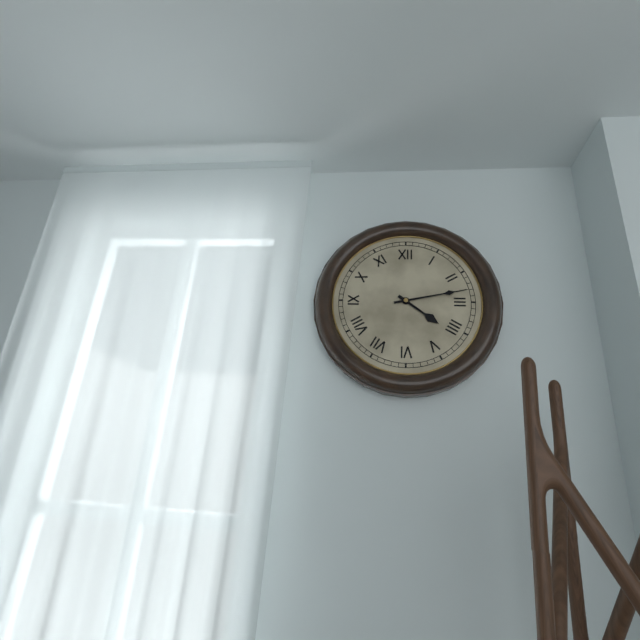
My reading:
**4:13**
